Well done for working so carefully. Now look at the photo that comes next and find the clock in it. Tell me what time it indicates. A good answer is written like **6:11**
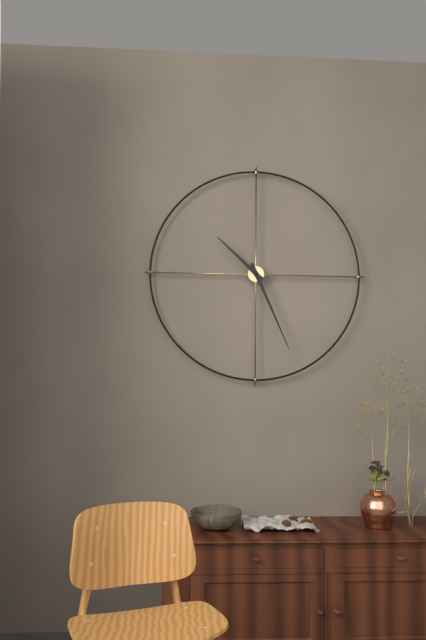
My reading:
**10:26**
